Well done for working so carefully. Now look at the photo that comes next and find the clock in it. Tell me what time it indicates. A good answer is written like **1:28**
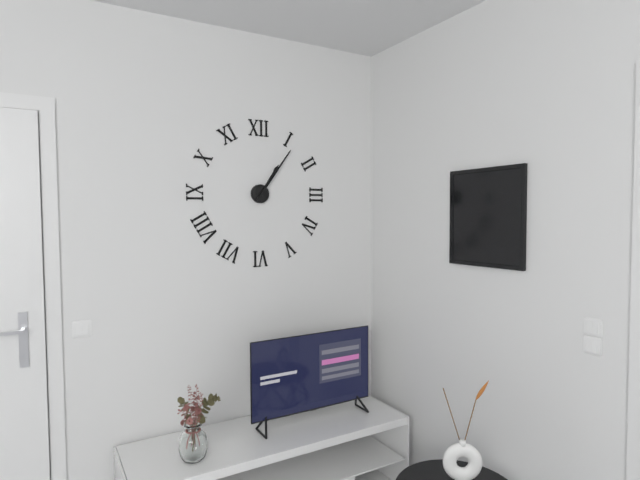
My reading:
**1:06**
